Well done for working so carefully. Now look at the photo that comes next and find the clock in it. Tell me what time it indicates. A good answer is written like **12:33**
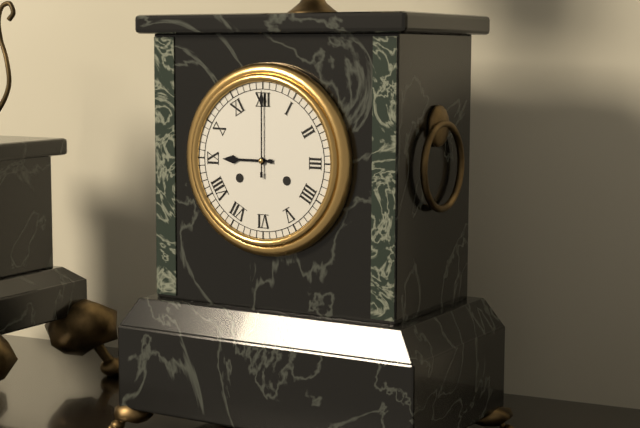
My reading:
**9:00**
